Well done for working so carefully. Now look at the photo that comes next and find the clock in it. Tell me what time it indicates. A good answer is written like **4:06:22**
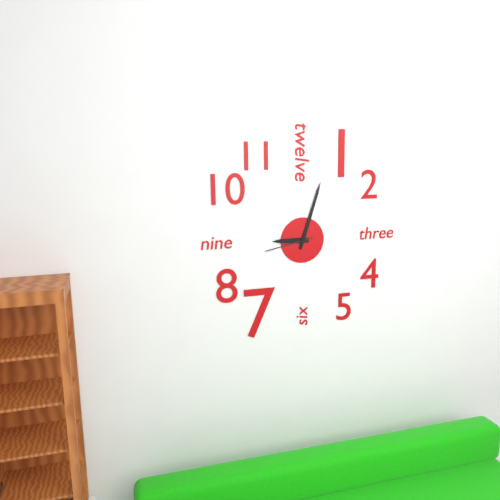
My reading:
**9:03:43**
